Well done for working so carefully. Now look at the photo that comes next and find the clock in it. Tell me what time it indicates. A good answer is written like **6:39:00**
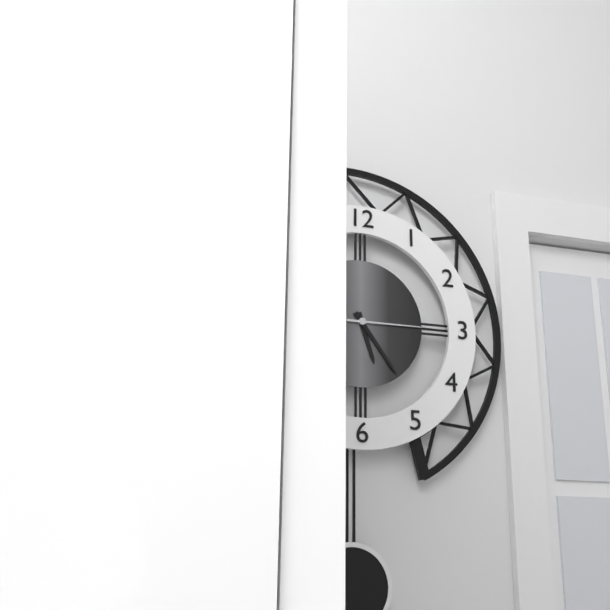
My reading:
**5:24:15**
